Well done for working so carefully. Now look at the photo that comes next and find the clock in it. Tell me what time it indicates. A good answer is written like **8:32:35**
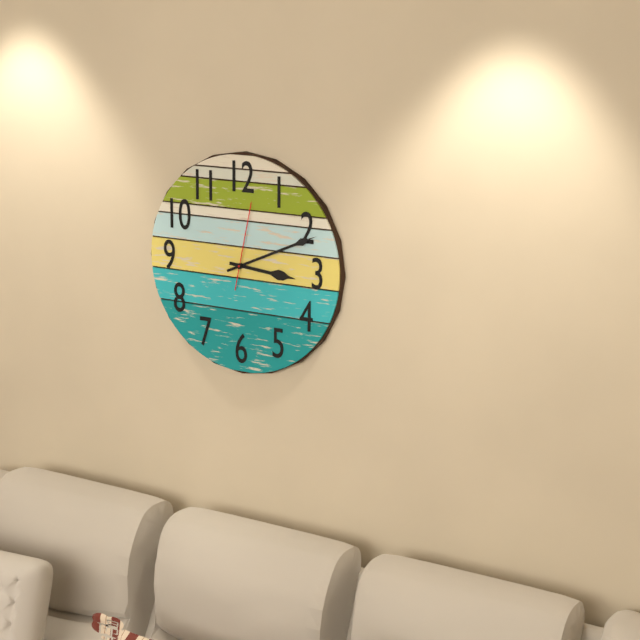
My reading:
**3:11:02**
